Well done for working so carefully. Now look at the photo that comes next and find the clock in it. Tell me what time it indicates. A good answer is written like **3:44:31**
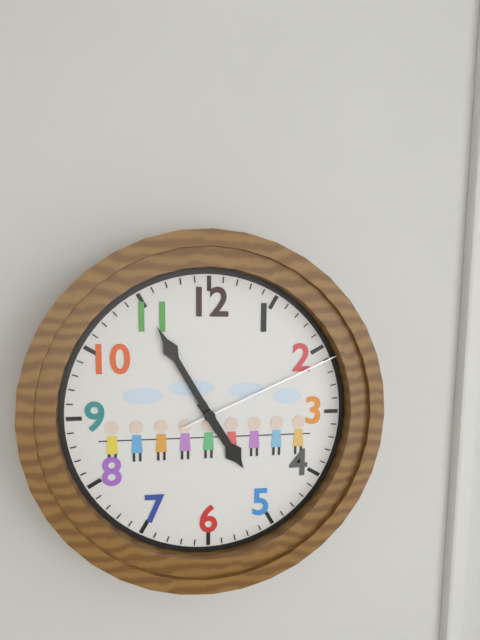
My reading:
**4:55:11**
